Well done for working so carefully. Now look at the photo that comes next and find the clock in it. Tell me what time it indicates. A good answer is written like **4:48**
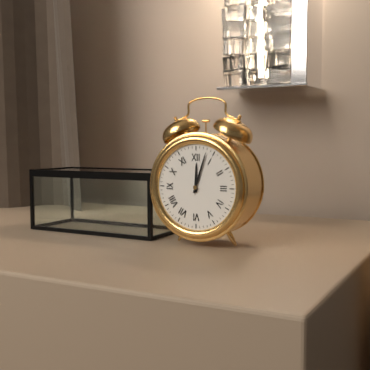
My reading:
**12:03**
